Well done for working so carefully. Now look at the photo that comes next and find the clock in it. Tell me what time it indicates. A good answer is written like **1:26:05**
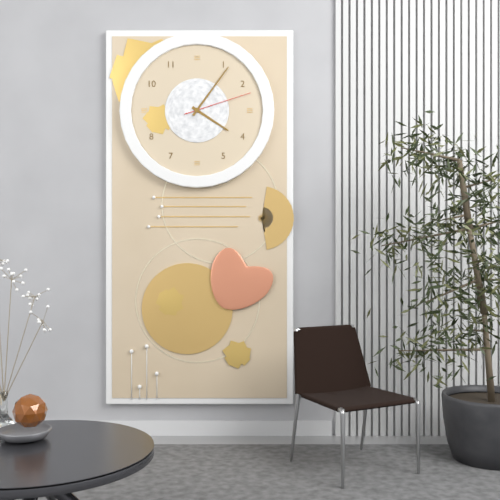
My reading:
**4:06:12**
